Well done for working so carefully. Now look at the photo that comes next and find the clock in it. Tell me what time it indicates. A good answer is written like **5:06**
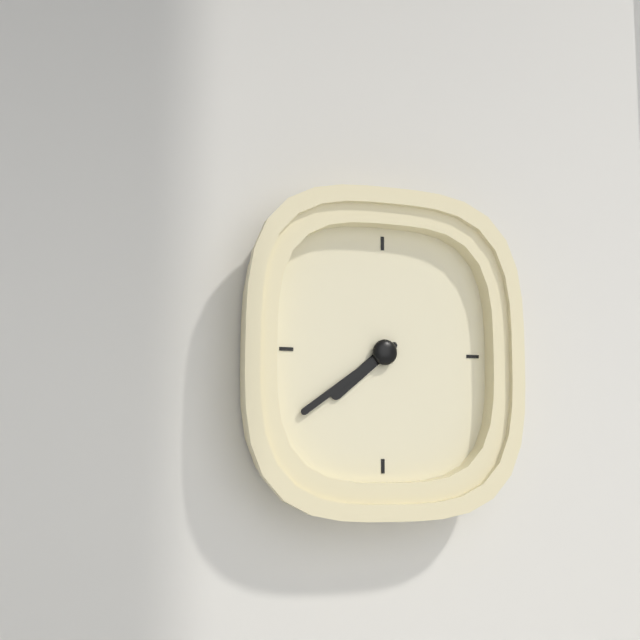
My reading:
**7:39**
